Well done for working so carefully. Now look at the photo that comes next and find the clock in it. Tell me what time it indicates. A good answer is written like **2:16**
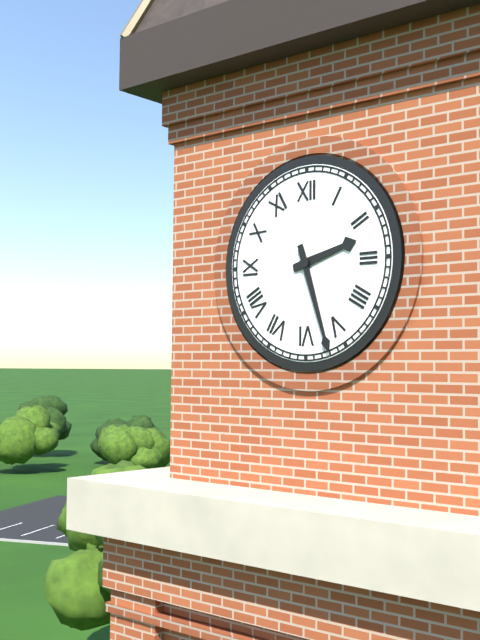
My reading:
**2:27**
